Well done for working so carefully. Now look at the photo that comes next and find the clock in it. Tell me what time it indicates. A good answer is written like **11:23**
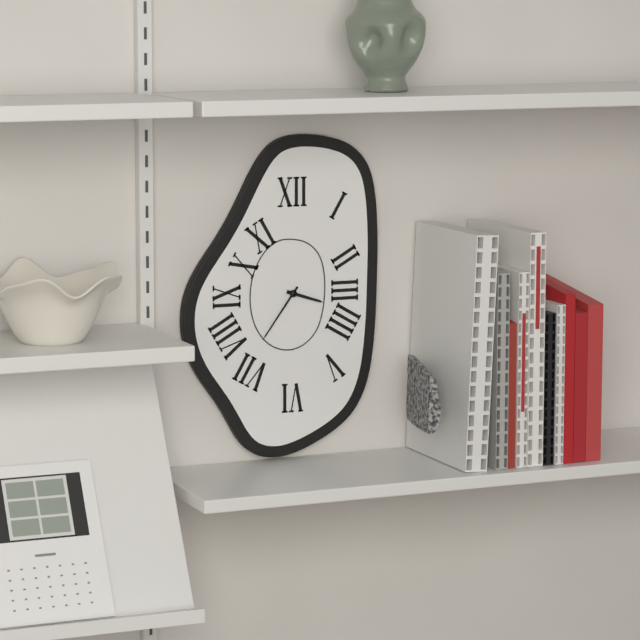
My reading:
**3:36**
